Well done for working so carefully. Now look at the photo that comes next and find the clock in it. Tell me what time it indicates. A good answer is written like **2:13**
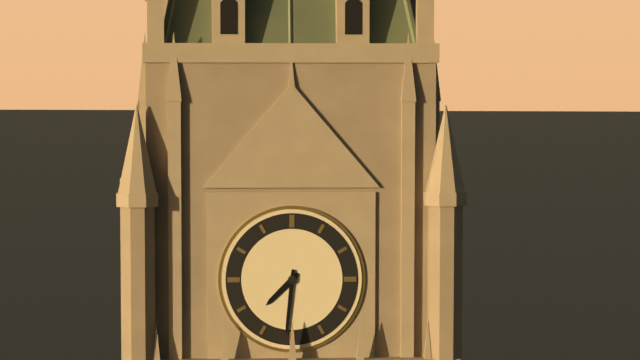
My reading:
**7:31**
